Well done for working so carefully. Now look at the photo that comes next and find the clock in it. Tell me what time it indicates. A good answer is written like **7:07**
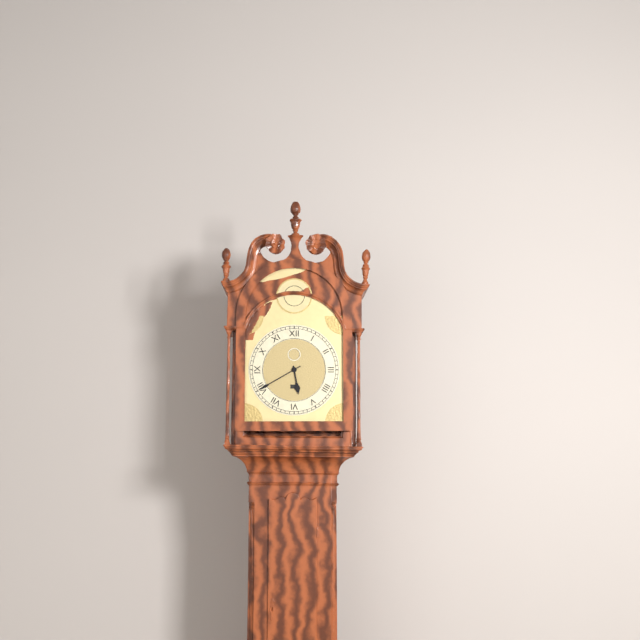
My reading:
**5:40**
